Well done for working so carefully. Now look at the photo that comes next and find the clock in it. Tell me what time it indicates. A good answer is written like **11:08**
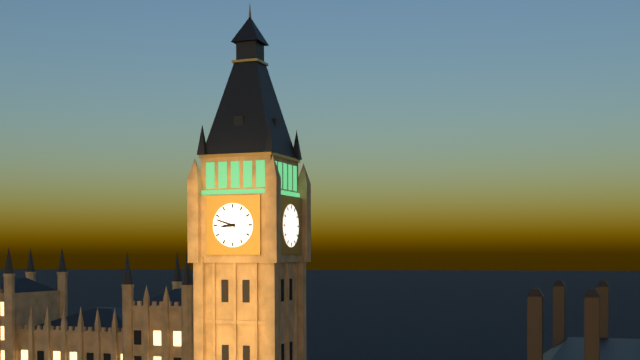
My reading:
**8:48**
